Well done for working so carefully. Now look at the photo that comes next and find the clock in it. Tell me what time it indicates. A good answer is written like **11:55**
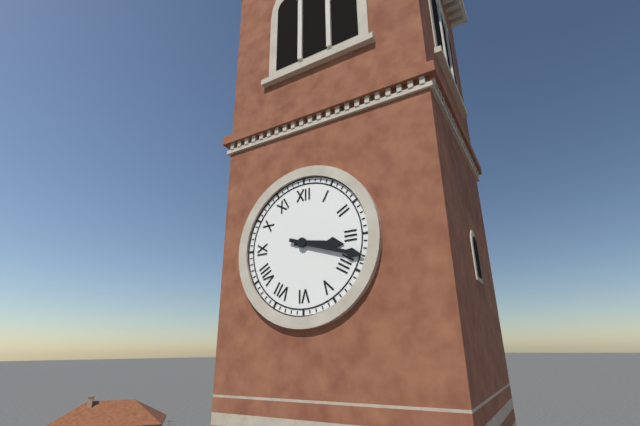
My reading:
**3:18**
